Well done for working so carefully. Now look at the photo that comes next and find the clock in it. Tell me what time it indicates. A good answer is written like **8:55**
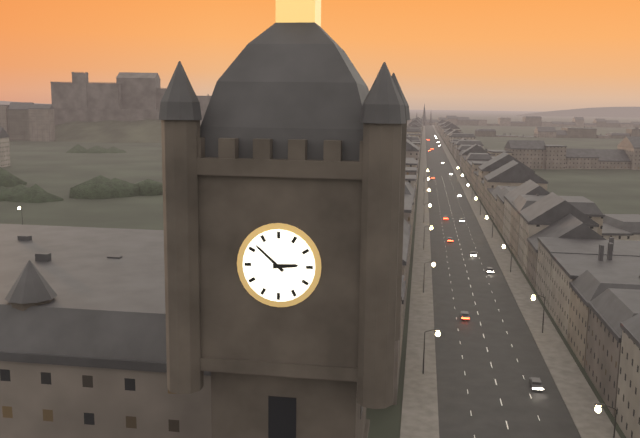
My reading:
**2:52**
